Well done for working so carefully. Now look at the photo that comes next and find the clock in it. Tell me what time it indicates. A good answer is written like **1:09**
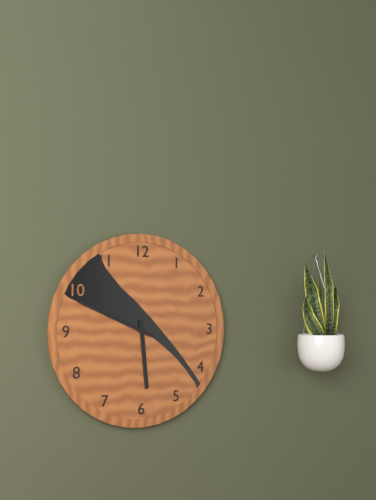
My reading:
**5:49**
